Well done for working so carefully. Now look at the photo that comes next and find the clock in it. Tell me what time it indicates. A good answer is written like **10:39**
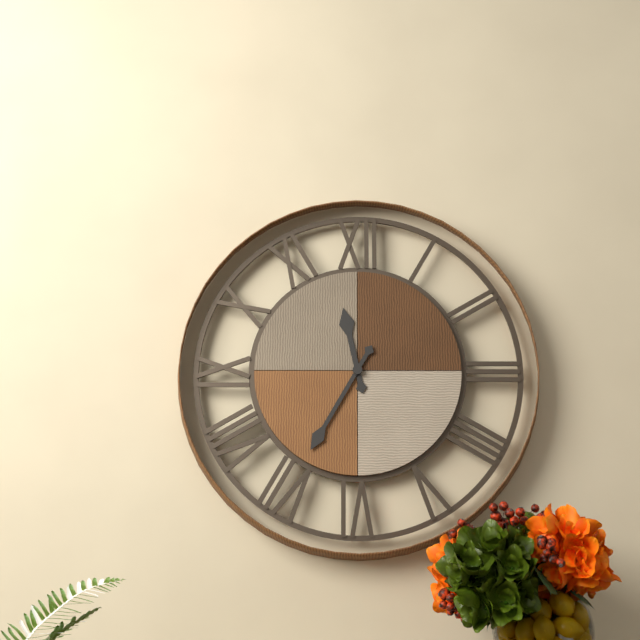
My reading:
**11:35**
